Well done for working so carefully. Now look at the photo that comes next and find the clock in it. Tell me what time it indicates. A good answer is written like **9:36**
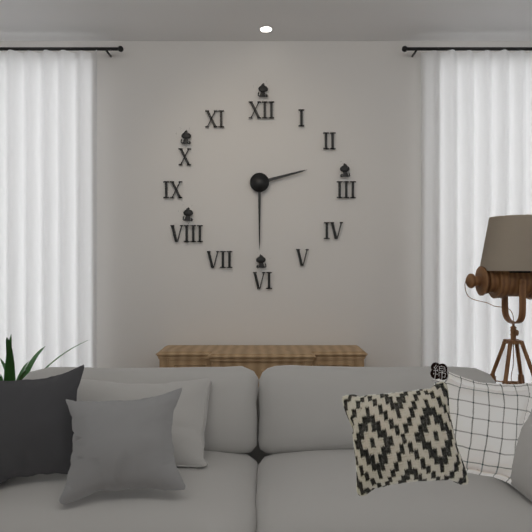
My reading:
**2:30**
